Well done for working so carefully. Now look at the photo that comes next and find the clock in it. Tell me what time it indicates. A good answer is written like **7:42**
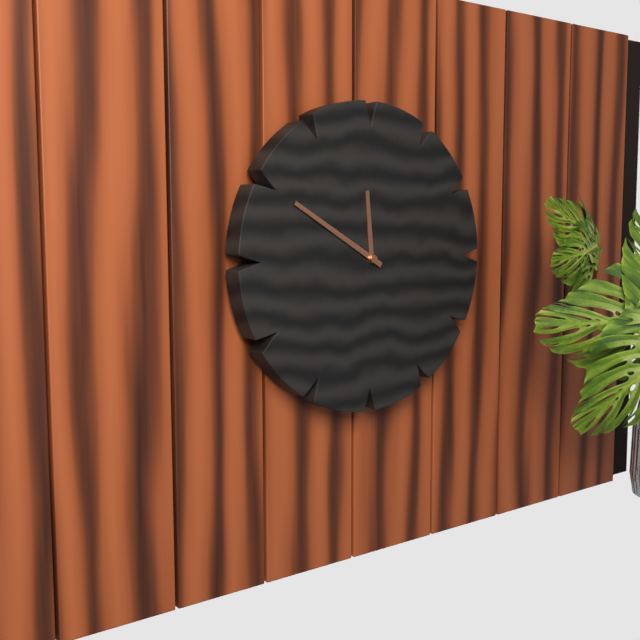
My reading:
**11:50**
